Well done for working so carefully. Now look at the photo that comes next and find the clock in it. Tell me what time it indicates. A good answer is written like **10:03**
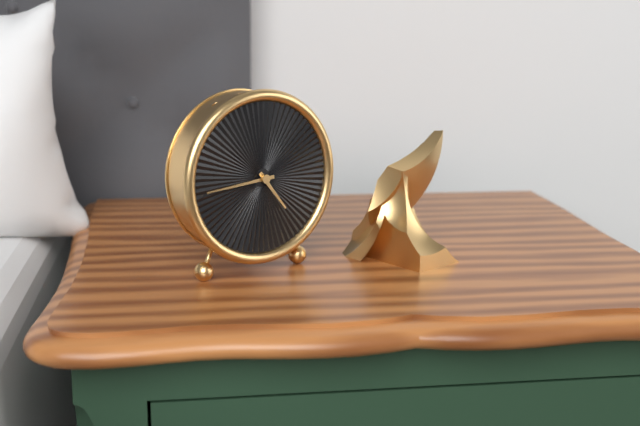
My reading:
**4:44**
